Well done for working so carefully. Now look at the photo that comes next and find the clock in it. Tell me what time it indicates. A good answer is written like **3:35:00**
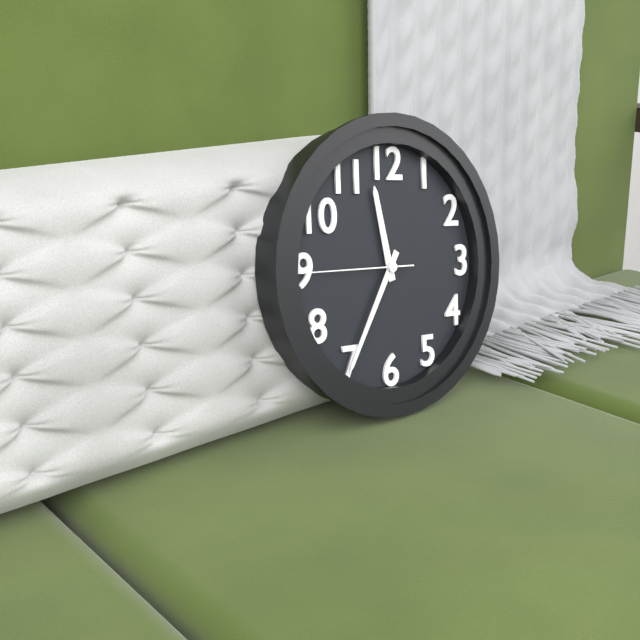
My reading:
**11:35:45**
